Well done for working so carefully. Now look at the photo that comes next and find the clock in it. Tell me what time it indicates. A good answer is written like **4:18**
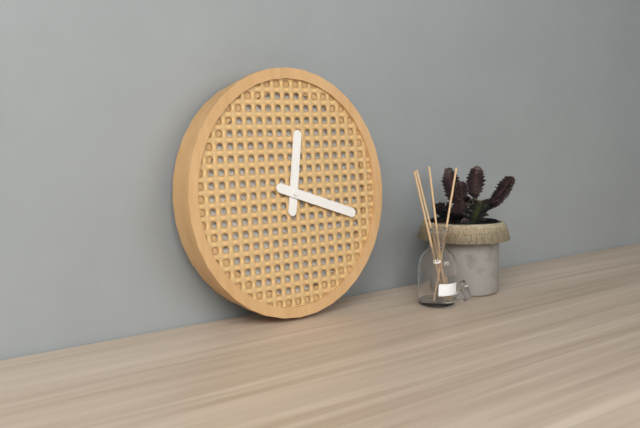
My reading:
**12:18**
